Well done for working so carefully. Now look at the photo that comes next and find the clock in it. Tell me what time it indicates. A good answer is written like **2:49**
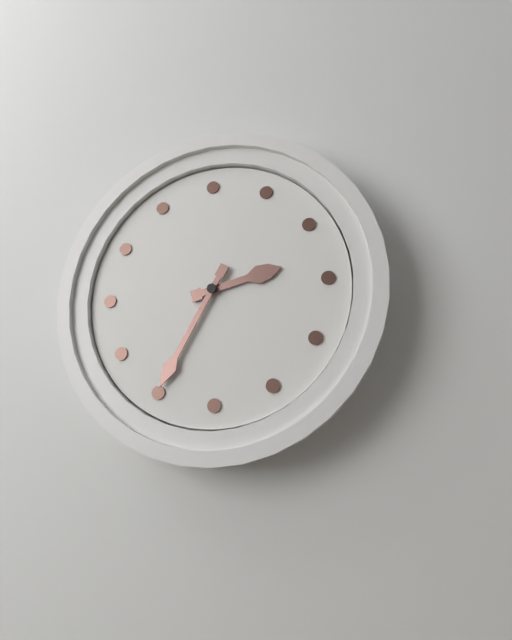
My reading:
**2:35**
